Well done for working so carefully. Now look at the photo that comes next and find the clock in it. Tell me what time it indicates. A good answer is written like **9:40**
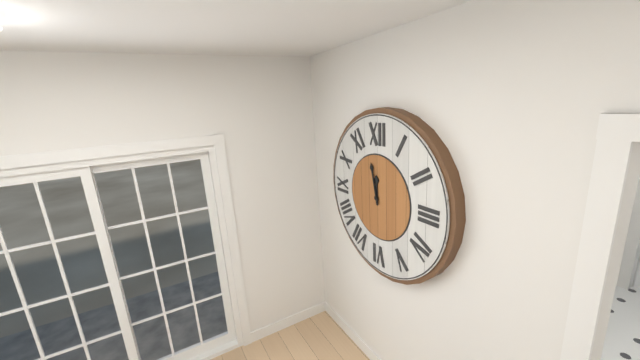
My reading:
**11:58**
